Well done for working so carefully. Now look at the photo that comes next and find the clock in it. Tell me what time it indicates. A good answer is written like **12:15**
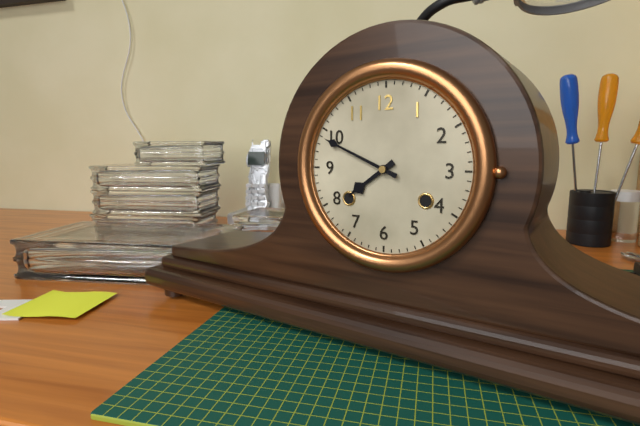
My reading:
**7:49**
